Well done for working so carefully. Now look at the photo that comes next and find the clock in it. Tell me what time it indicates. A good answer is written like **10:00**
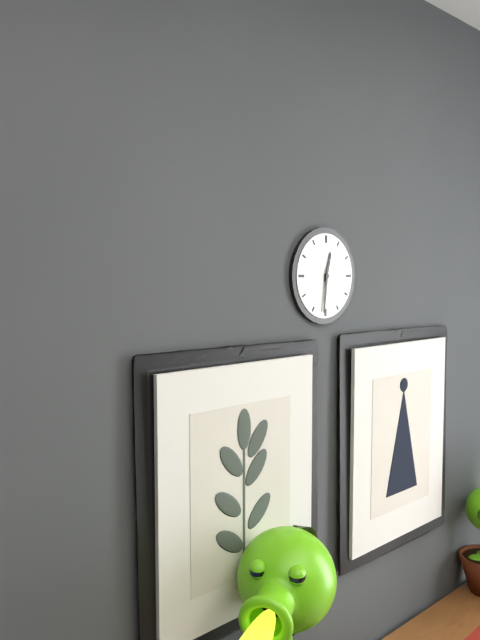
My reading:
**12:31**
